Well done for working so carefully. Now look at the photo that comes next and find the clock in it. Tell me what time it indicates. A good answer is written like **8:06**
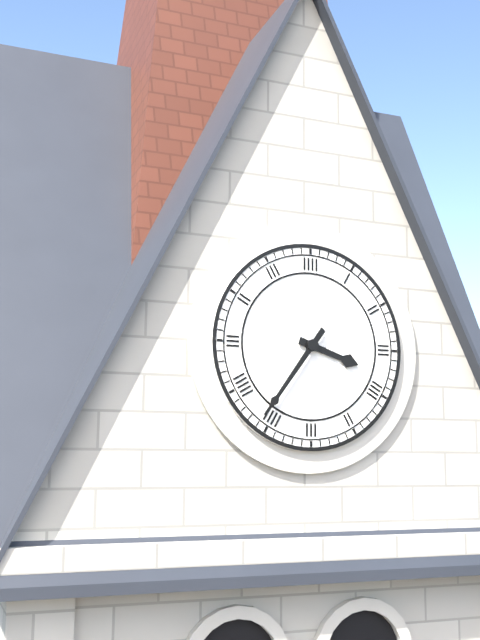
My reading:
**3:36**
